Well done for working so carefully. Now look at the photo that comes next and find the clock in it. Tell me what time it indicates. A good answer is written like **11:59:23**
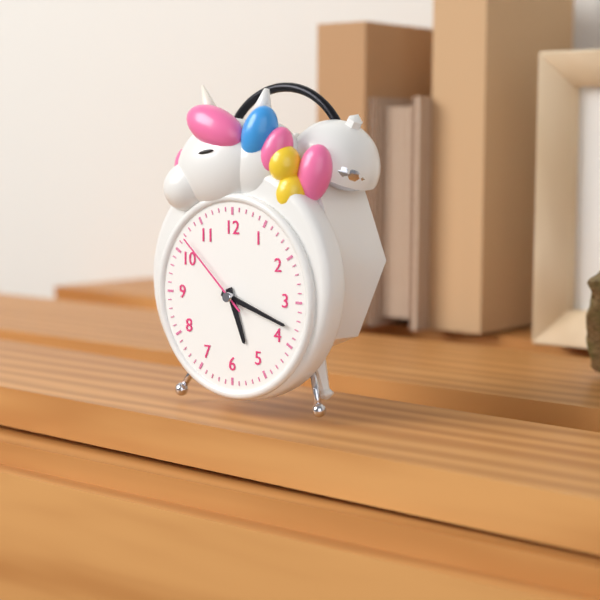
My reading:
**5:18:52**
